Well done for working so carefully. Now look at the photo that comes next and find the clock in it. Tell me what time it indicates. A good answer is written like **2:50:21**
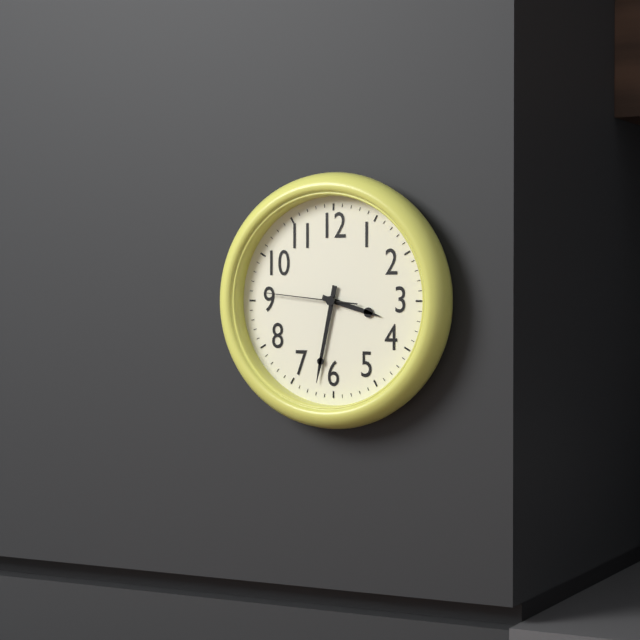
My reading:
**3:32:46**
